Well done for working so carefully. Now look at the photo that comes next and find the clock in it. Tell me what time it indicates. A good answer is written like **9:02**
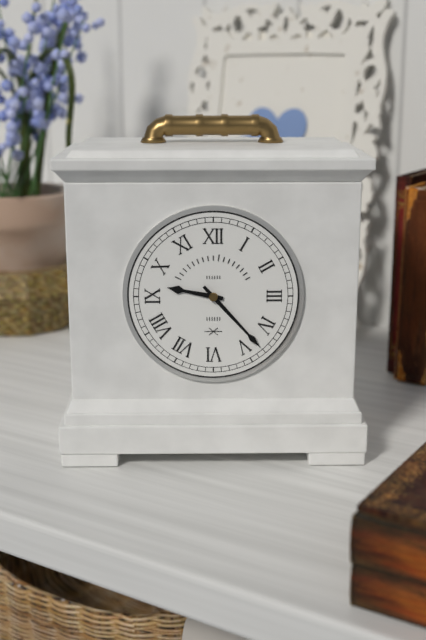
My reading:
**9:23**
